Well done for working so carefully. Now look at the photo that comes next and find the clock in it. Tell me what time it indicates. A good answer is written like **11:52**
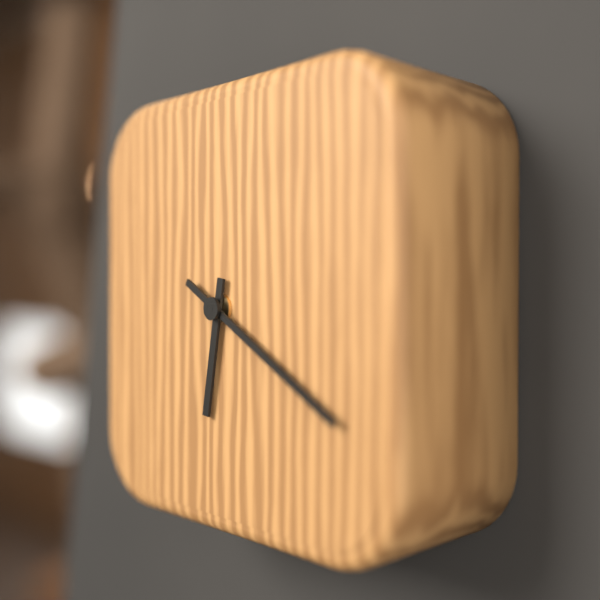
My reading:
**6:20**
